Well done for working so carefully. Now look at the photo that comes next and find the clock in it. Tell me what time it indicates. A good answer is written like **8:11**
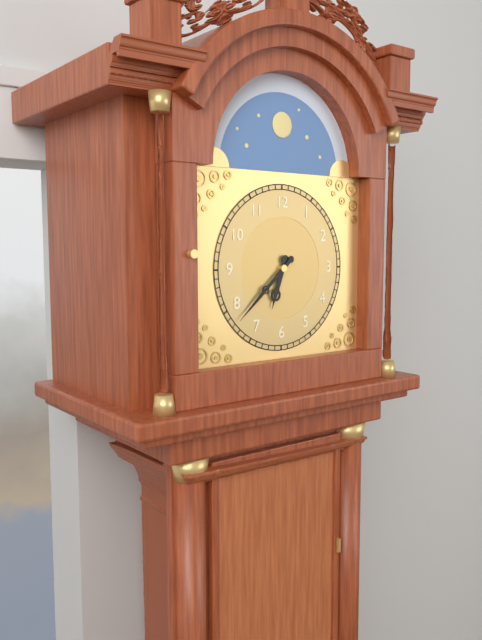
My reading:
**6:38**
